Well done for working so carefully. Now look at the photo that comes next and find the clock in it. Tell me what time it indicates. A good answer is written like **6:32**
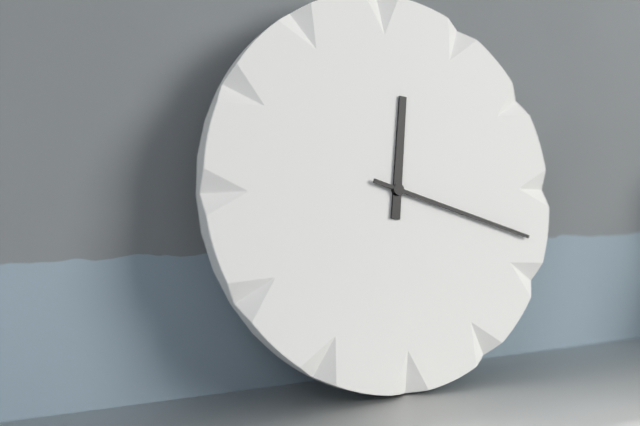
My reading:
**12:18**
